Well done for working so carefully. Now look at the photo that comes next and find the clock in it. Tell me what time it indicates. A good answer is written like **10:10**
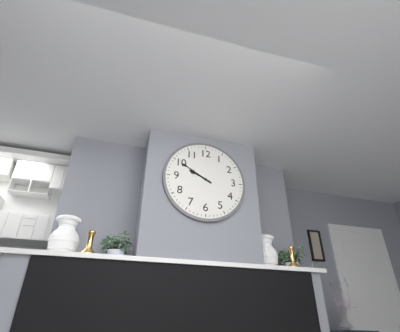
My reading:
**9:50**
